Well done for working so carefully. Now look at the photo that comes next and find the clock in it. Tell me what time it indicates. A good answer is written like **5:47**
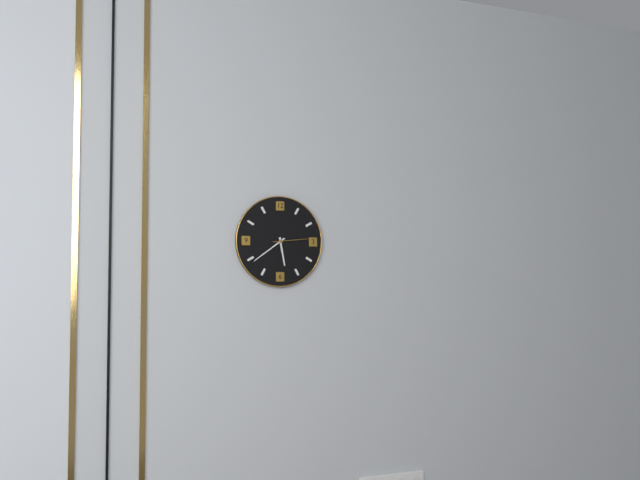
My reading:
**5:39**
